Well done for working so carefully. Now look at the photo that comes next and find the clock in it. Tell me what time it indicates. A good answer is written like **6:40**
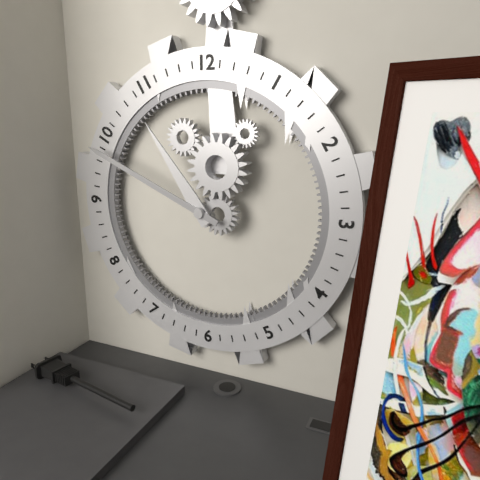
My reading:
**10:49**
